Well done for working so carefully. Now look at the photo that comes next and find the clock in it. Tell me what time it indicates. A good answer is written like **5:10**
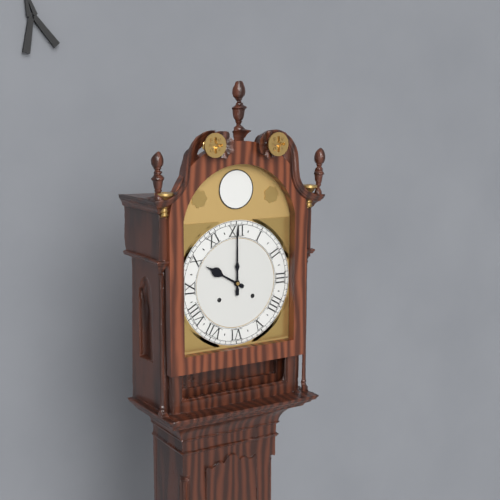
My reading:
**10:00**
